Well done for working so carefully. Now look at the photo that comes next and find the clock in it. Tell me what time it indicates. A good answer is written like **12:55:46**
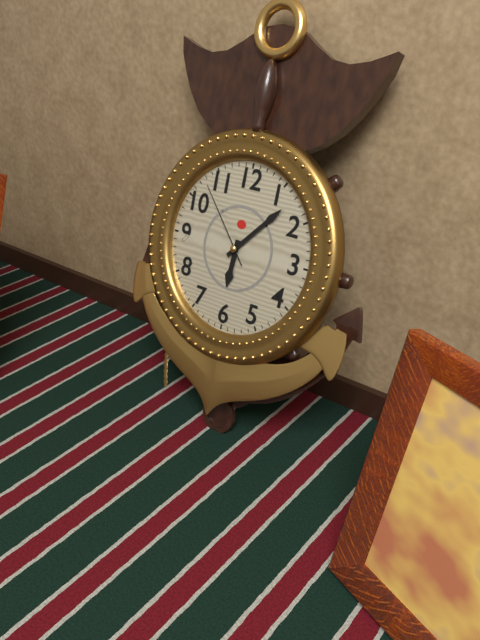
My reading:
**6:07:53**
